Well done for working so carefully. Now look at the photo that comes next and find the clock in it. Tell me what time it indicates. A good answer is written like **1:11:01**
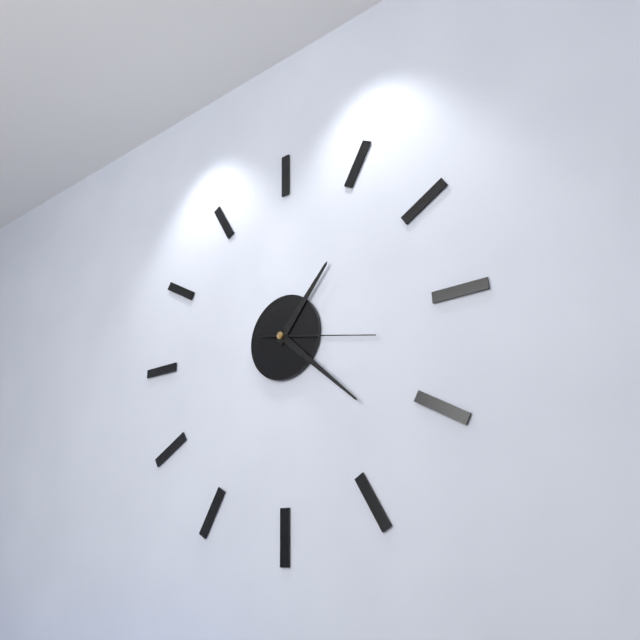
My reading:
**1:22:17**
